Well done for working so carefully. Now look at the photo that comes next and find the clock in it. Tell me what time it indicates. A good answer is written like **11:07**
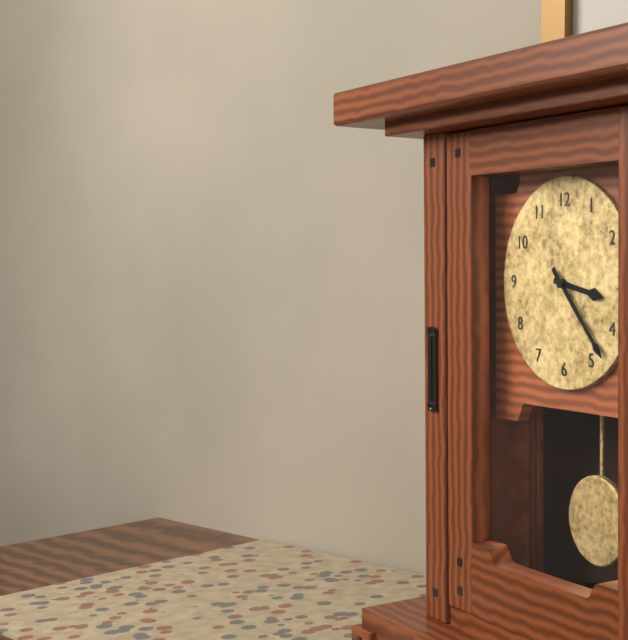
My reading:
**3:23**
